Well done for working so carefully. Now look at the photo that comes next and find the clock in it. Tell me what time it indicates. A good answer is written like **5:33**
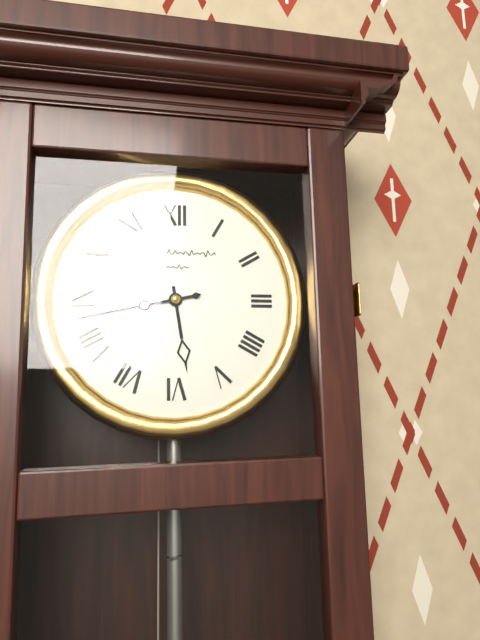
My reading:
**5:43**
